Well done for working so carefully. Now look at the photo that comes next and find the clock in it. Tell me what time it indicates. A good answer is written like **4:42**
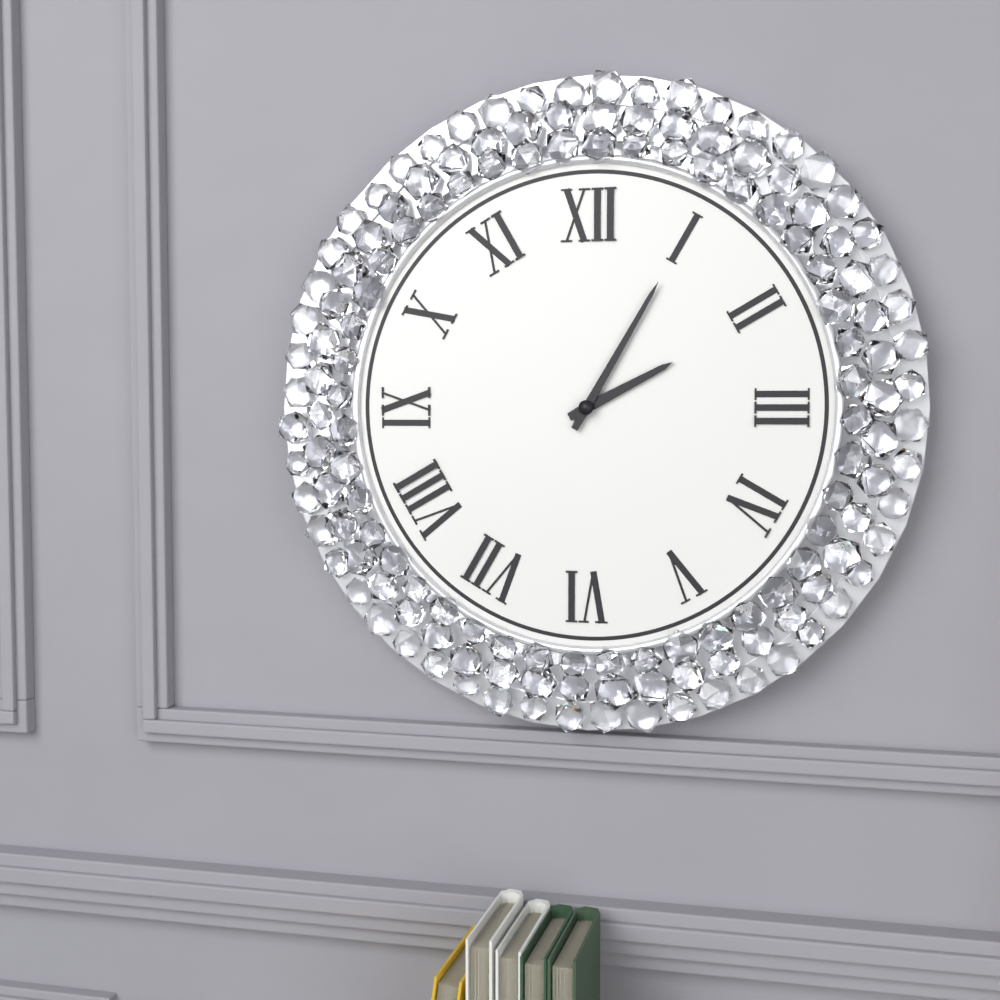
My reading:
**2:05**
